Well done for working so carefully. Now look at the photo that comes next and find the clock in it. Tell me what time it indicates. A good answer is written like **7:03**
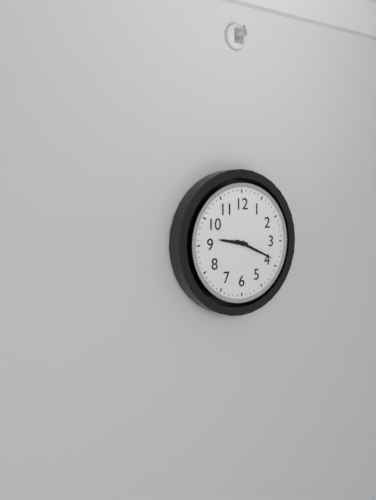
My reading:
**9:19**
